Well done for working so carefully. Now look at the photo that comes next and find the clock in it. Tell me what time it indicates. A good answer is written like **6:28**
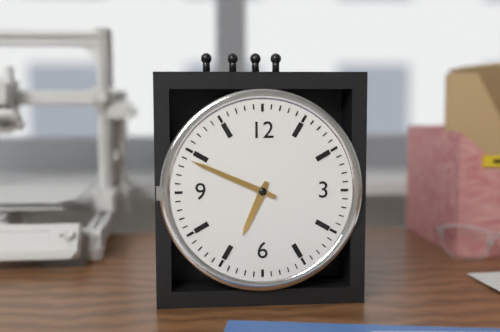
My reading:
**6:49**
